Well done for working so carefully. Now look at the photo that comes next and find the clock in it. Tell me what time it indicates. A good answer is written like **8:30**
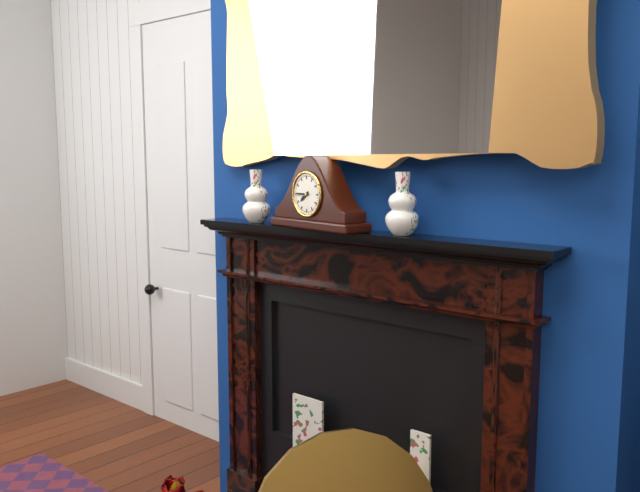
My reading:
**7:45**
